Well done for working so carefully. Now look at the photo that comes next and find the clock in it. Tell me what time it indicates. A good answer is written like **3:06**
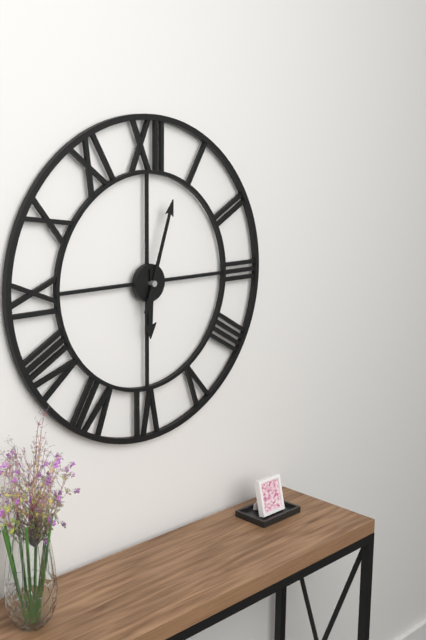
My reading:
**6:03**
